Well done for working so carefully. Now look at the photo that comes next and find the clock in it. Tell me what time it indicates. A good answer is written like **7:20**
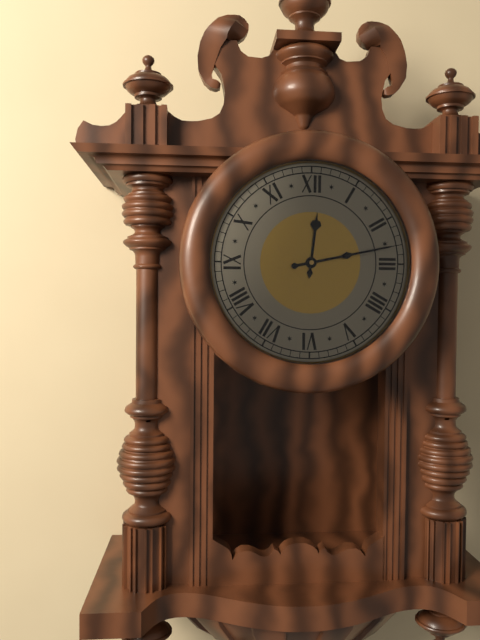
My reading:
**12:13**
